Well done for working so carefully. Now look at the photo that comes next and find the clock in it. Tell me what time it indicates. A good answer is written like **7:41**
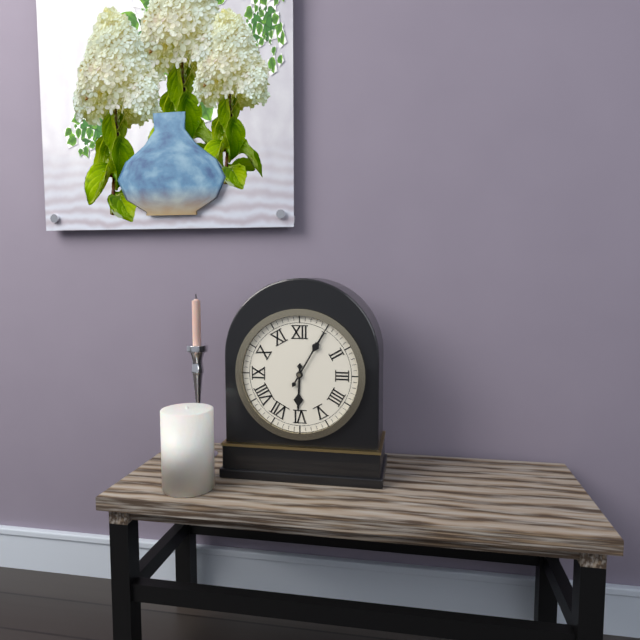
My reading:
**6:05**
